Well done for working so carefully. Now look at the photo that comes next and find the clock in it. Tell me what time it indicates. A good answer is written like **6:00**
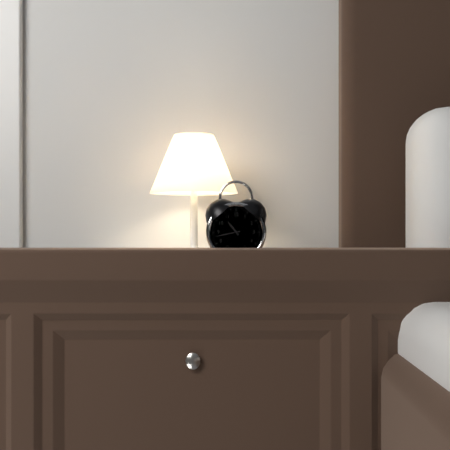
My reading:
**10:43**
